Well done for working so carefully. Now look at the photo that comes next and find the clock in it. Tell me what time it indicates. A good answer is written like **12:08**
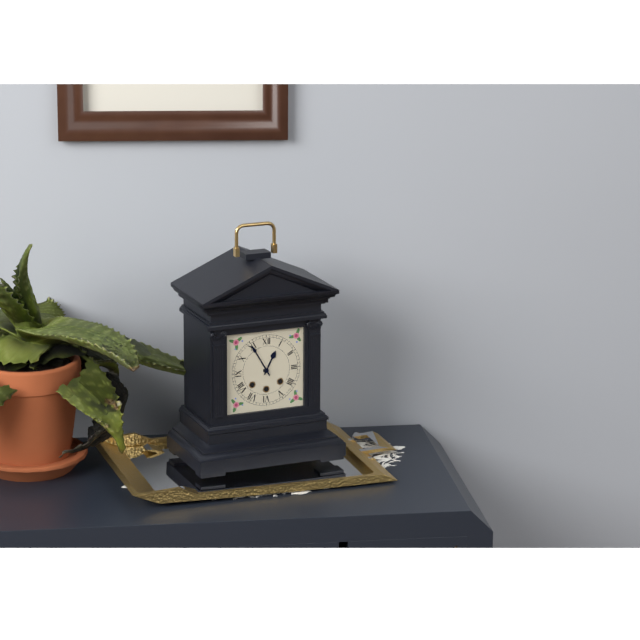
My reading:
**12:55**
